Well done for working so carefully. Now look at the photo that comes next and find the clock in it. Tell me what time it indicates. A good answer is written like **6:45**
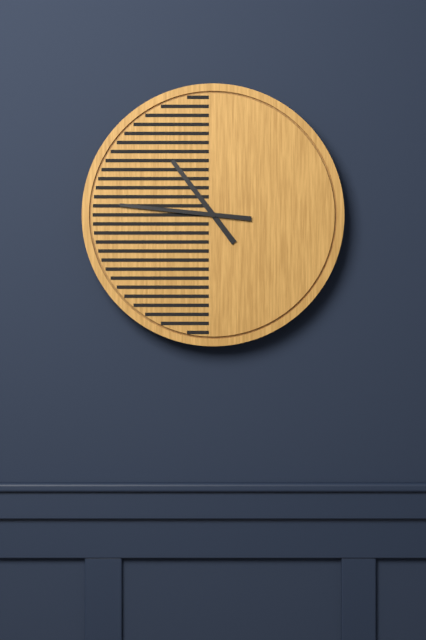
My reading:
**10:46**
